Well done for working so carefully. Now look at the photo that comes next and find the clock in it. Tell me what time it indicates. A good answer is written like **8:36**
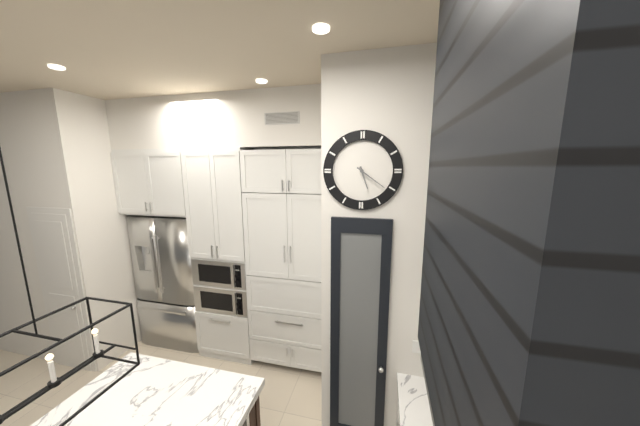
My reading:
**5:21**
